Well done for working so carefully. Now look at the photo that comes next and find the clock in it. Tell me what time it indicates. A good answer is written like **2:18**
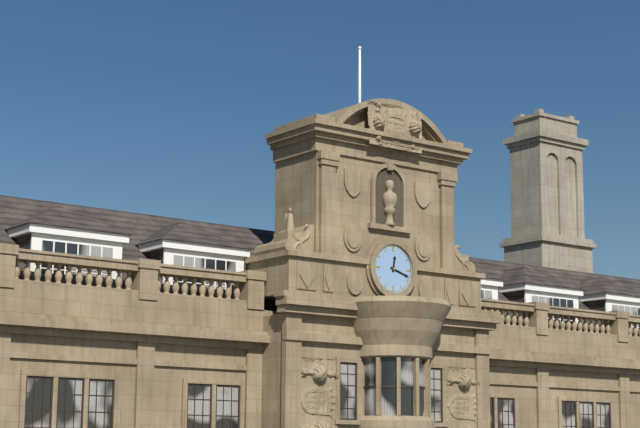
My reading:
**12:18**
